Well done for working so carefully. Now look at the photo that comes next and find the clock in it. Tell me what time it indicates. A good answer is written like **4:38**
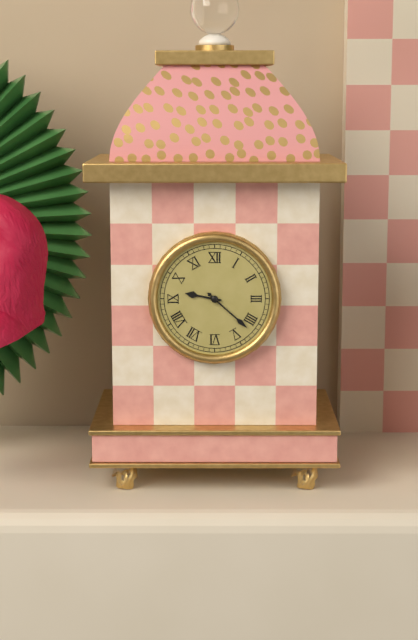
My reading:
**9:22**
